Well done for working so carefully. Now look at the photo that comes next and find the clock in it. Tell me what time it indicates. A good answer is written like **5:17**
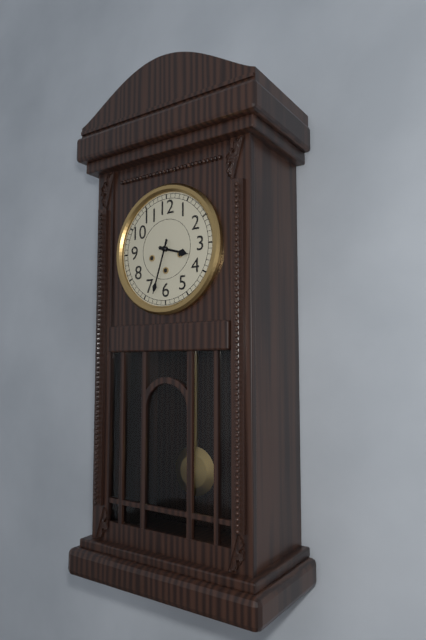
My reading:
**3:33**
